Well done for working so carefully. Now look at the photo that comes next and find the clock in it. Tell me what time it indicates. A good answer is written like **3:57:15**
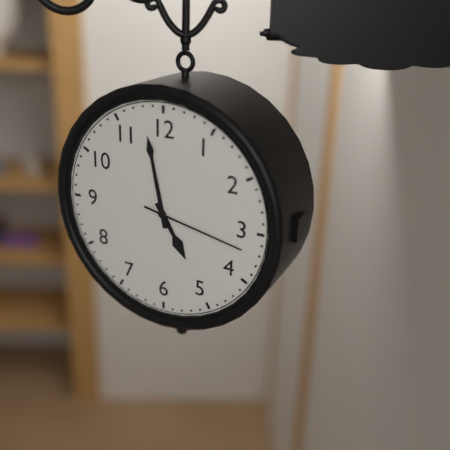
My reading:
**4:58:17**
